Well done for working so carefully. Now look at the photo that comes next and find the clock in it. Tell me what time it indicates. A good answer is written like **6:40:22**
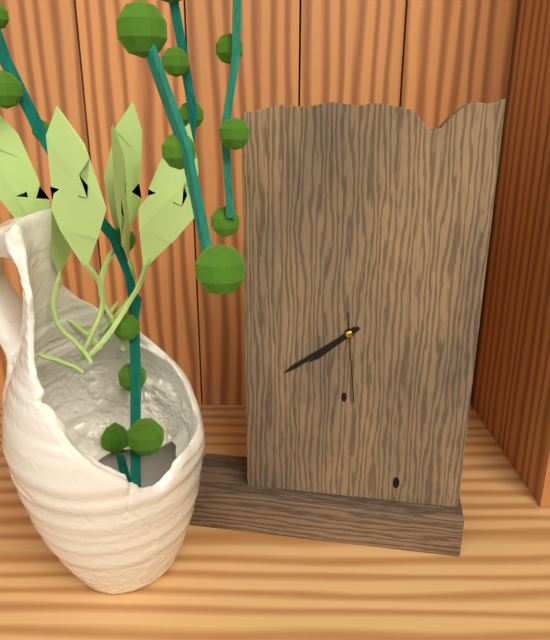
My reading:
**7:39:29**
